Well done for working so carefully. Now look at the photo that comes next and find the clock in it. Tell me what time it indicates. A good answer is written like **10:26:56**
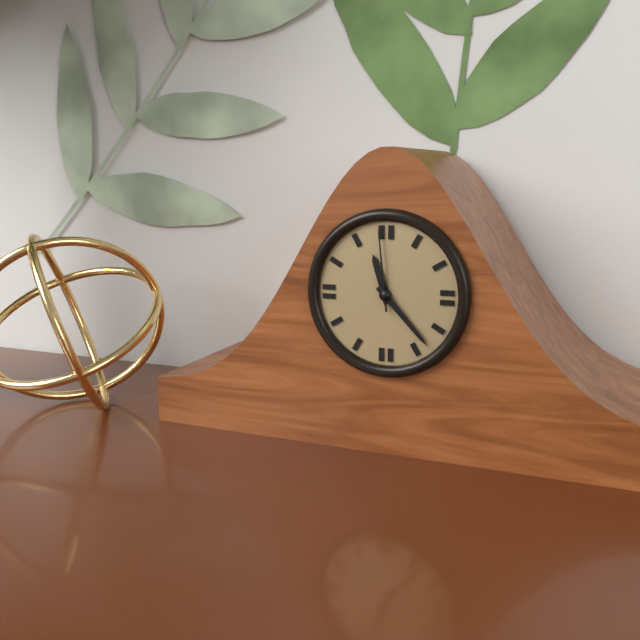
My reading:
**11:23:59**
